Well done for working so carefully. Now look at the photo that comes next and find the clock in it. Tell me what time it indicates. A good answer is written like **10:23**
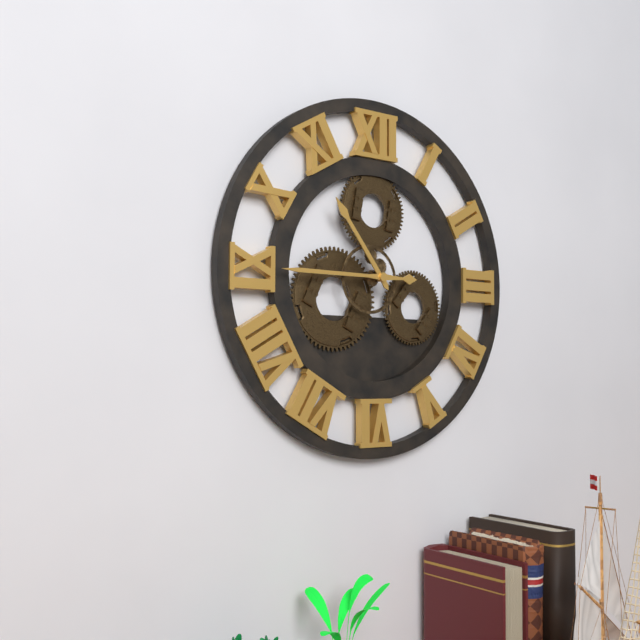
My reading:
**10:45**
